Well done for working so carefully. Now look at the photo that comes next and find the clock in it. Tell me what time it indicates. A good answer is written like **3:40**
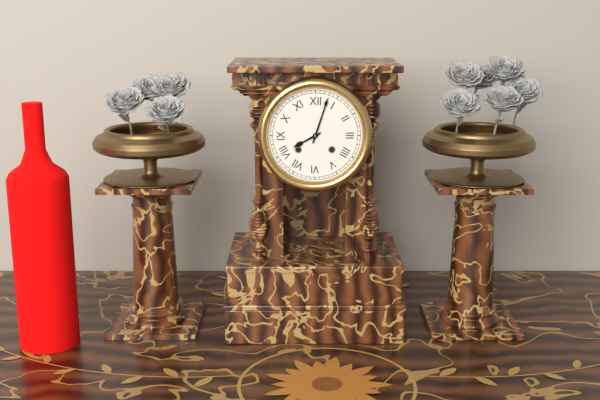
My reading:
**8:03**
